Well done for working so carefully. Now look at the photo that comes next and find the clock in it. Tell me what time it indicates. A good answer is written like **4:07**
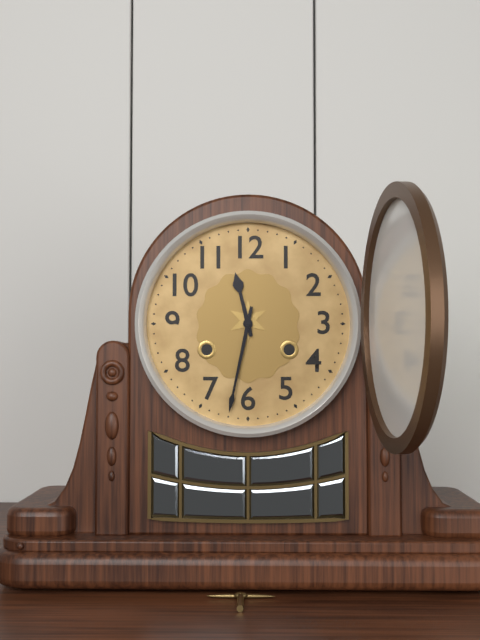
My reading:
**11:32**
